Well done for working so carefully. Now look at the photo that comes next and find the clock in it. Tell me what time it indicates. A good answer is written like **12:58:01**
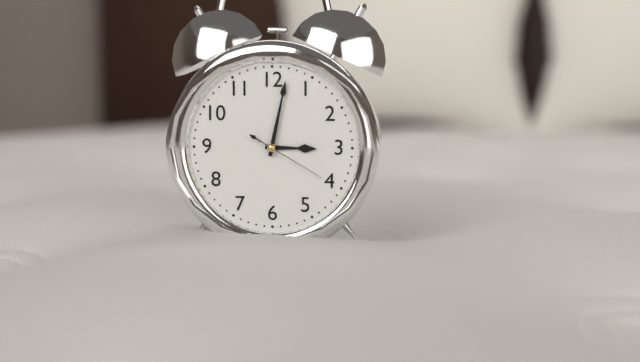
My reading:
**3:02:20**
